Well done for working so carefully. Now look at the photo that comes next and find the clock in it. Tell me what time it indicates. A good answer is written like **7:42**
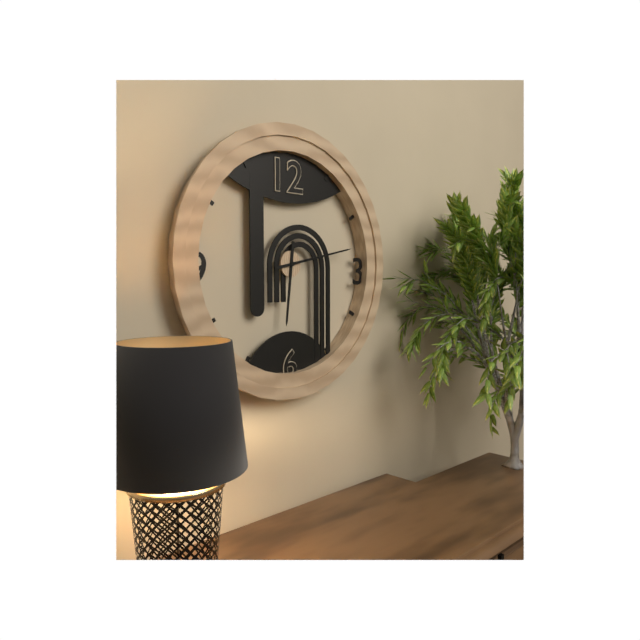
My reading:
**6:13**
